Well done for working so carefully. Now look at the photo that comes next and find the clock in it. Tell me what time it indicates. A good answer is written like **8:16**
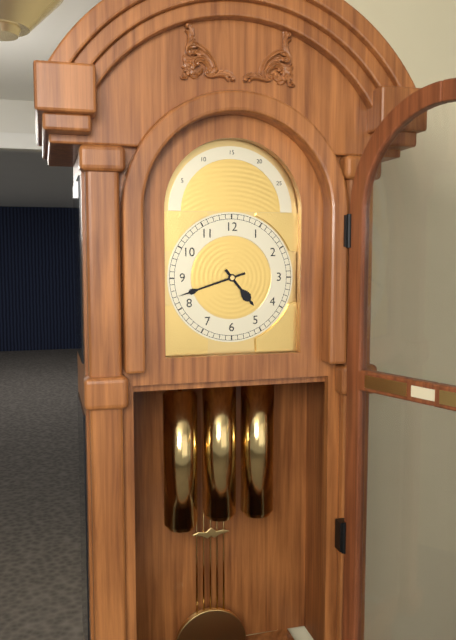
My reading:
**4:42**
